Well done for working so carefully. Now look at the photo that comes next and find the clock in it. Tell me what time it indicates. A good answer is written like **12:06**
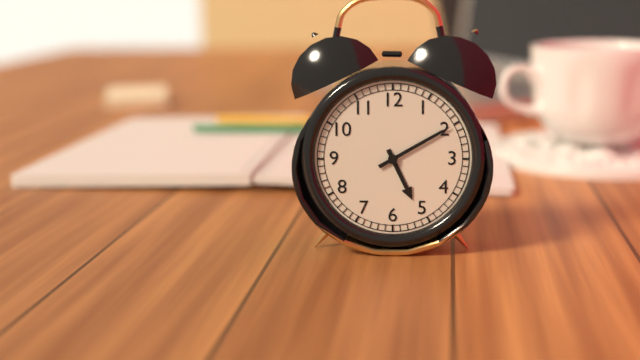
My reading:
**5:10**
